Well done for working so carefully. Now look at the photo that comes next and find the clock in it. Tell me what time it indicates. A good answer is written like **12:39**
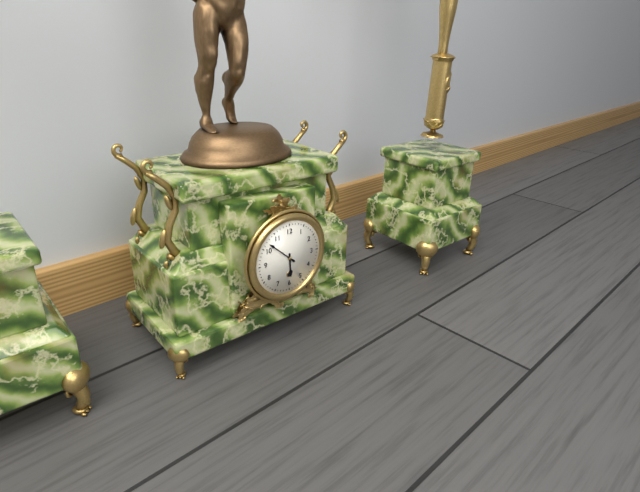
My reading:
**5:52**
